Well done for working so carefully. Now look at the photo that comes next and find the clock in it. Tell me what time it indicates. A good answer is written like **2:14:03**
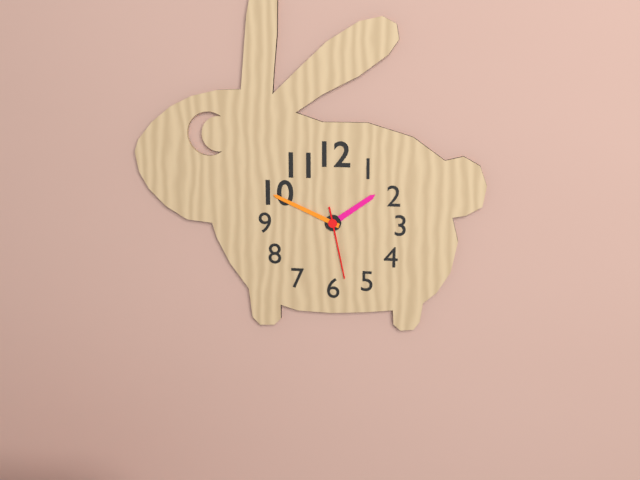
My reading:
**1:49:28**
